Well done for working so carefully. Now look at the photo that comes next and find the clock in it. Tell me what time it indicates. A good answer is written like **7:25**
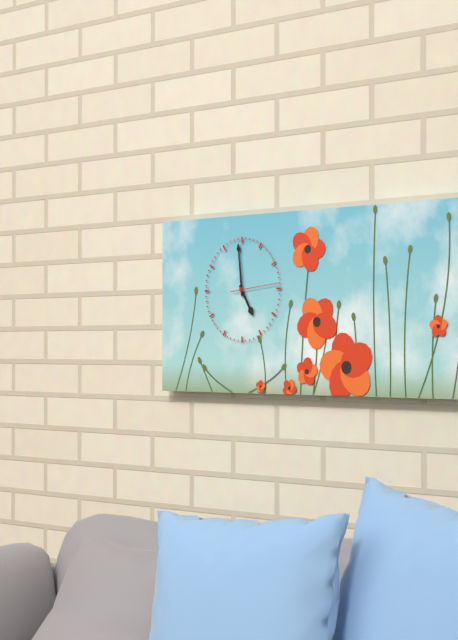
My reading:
**4:59**
